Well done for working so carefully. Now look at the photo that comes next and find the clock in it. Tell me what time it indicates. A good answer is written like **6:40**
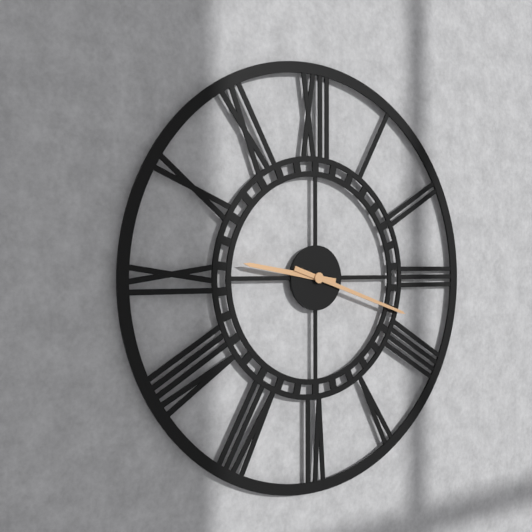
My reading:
**9:18**
